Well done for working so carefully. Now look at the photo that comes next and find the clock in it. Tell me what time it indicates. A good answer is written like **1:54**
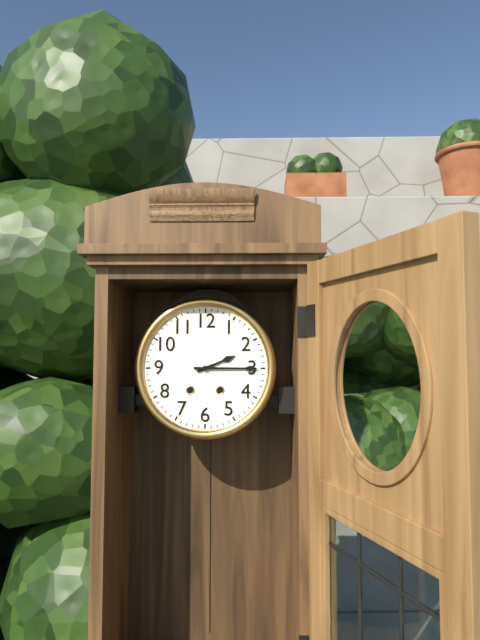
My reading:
**2:15**
